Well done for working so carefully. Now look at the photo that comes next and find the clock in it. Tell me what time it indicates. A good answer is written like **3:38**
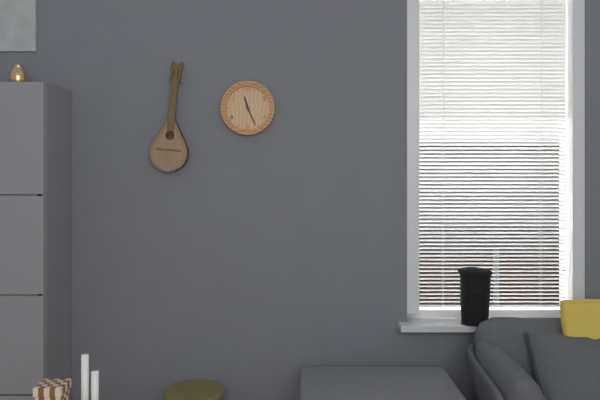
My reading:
**11:26**
